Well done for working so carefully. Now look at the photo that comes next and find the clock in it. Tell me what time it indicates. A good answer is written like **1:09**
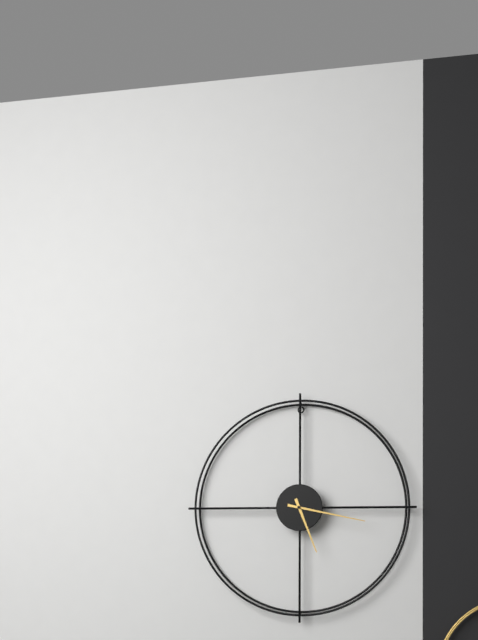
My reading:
**5:17**
